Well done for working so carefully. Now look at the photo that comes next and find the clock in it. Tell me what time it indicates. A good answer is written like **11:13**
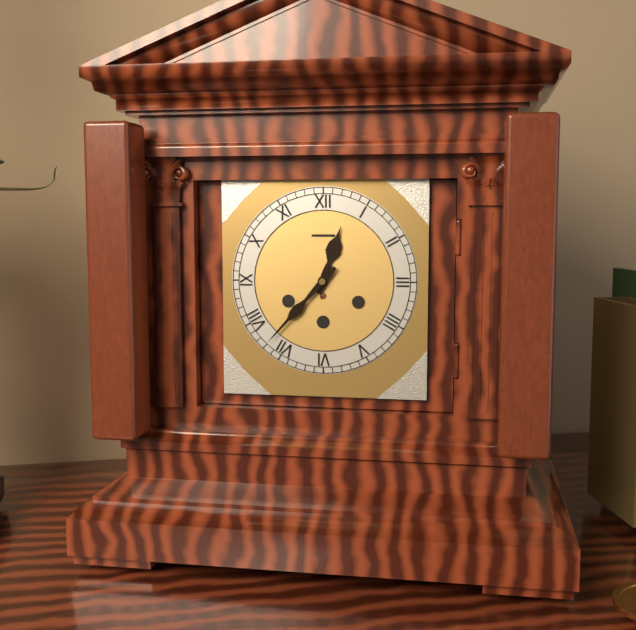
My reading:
**12:37**
